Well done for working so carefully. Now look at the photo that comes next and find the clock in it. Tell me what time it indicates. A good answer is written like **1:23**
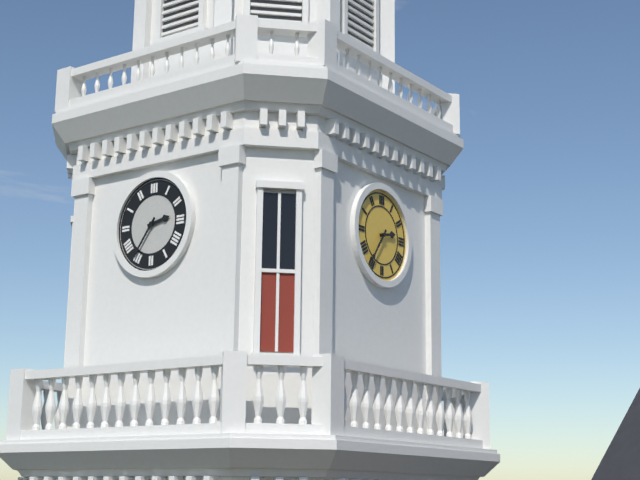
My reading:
**2:36**
